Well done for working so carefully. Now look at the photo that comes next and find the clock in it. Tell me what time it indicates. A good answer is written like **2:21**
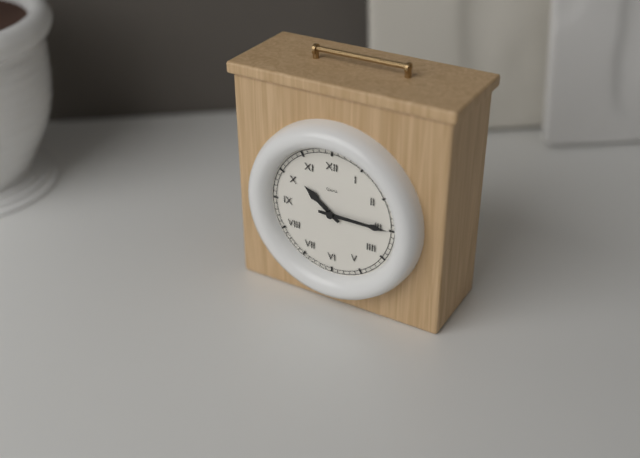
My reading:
**10:15**
